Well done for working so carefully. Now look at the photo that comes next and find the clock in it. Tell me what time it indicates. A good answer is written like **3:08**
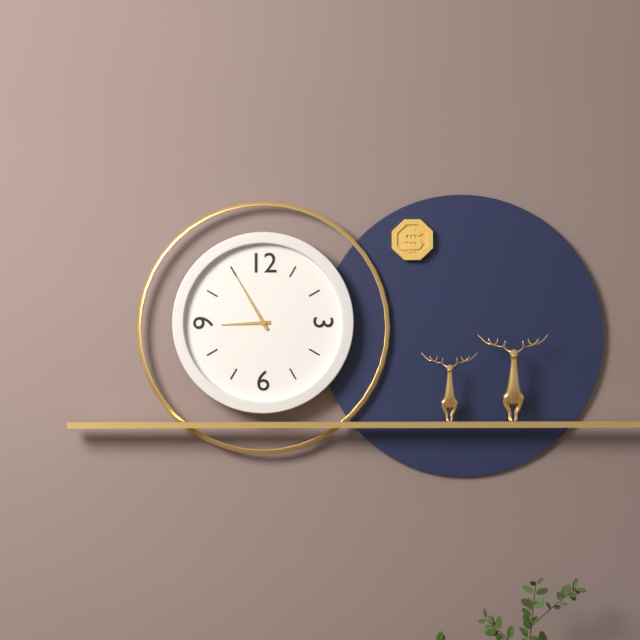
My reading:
**8:55**
